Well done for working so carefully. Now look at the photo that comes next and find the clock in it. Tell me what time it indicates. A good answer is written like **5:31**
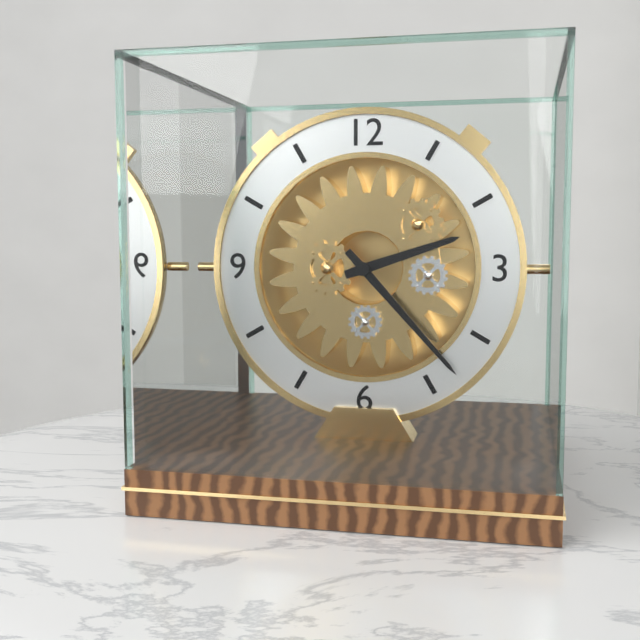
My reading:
**2:23**
